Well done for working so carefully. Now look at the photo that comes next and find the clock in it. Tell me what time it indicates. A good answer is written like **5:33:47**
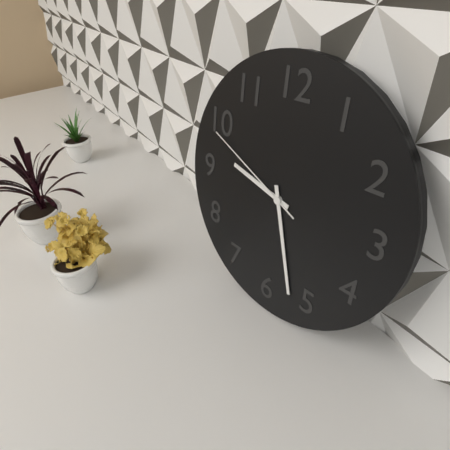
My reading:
**9:27:49**
